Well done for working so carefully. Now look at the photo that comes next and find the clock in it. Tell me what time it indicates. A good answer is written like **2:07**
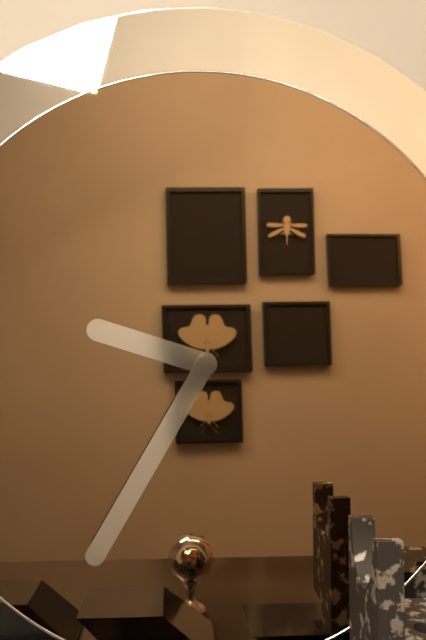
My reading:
**9:35**
